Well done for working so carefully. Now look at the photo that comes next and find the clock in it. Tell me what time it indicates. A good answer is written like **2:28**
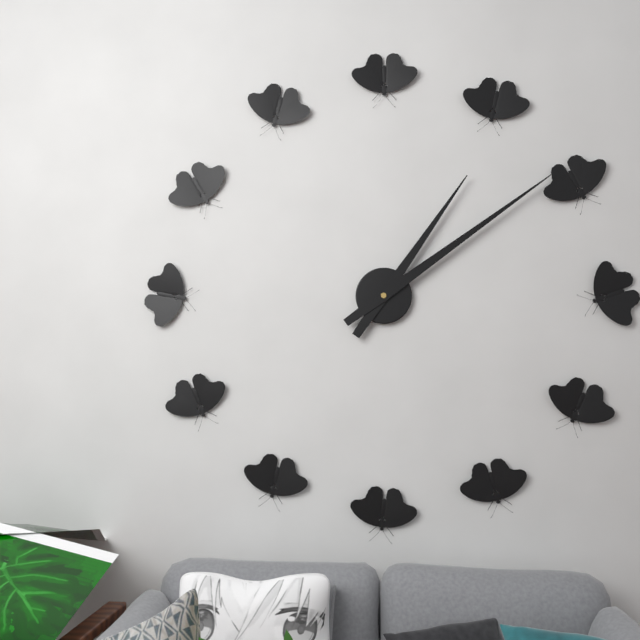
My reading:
**1:09**
